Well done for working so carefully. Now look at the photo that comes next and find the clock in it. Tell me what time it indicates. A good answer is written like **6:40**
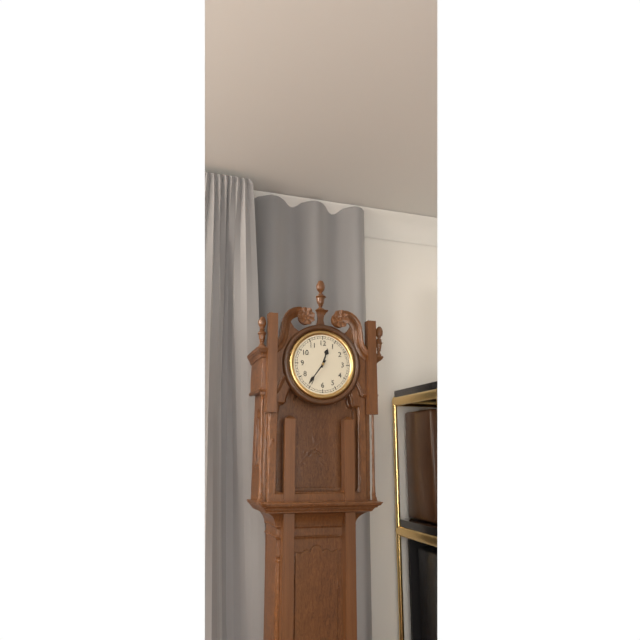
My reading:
**12:36**
